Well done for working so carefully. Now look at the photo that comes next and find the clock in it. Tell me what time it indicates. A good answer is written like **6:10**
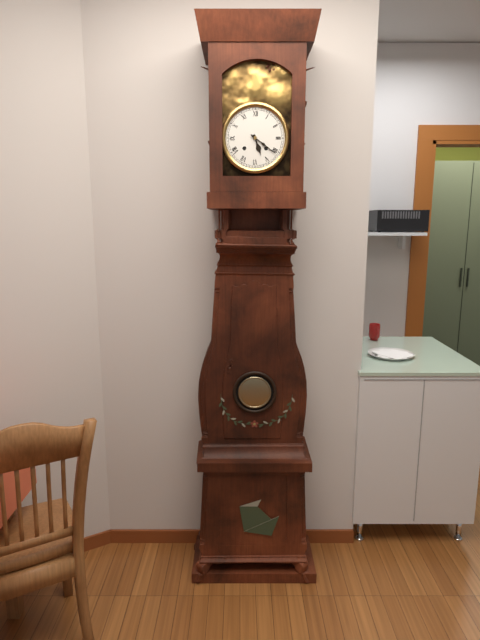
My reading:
**5:21**
